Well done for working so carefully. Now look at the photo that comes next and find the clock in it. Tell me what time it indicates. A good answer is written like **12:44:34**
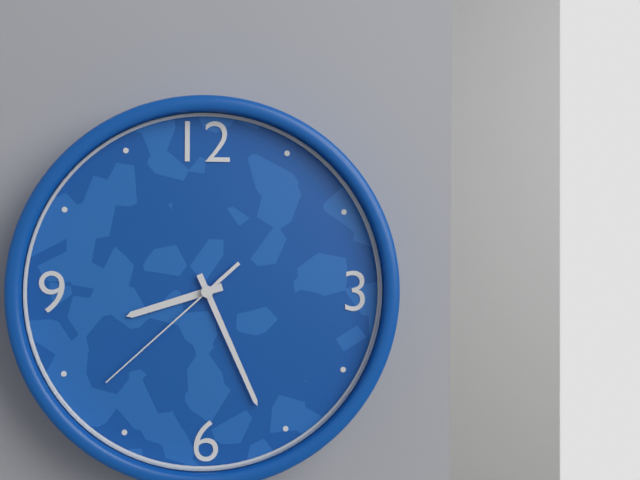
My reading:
**8:26:38**
